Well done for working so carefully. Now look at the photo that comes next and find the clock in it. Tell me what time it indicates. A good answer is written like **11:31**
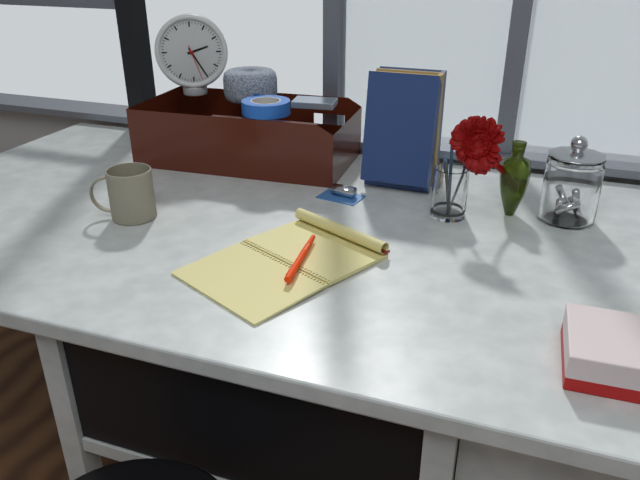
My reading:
**2:25**
